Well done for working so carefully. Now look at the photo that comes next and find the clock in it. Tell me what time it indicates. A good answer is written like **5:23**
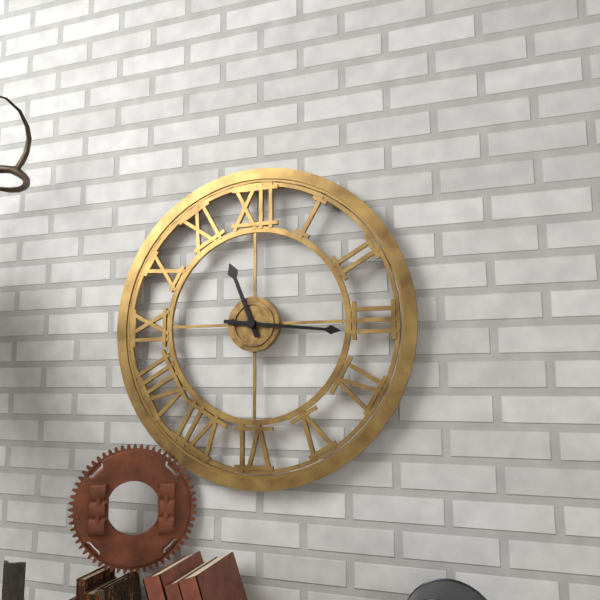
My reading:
**11:16**
